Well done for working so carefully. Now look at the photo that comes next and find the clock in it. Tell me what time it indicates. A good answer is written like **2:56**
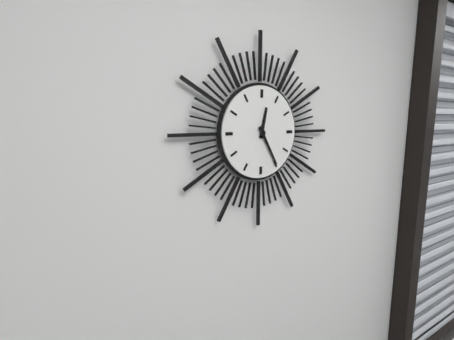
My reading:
**12:25**
